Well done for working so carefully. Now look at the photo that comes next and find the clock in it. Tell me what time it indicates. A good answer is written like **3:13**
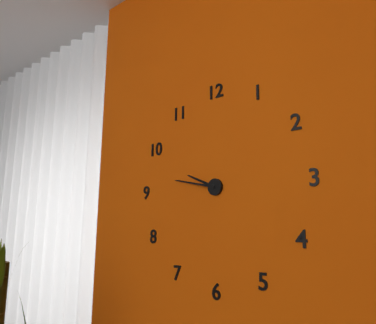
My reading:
**9:47**
